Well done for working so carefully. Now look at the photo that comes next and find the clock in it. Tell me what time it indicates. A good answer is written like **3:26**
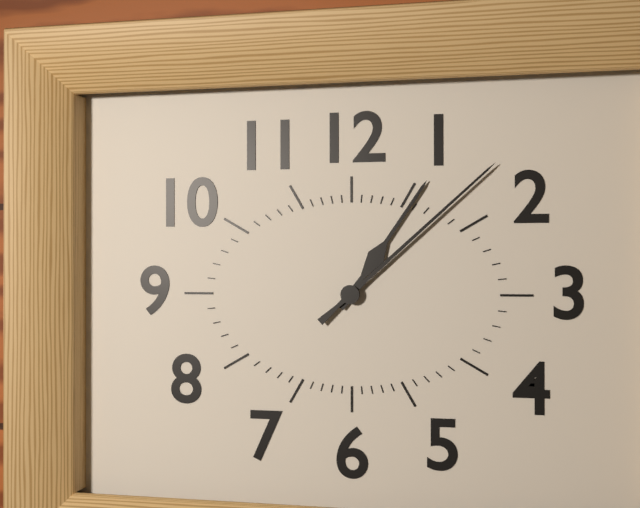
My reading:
**1:08**
